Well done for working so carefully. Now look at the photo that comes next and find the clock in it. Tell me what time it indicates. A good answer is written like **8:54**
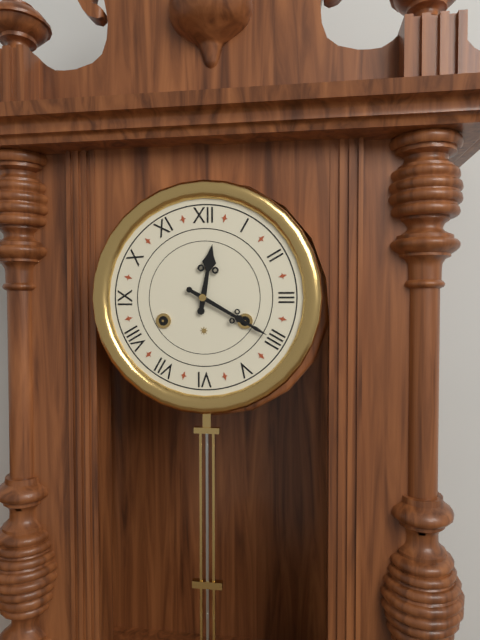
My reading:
**12:20**
